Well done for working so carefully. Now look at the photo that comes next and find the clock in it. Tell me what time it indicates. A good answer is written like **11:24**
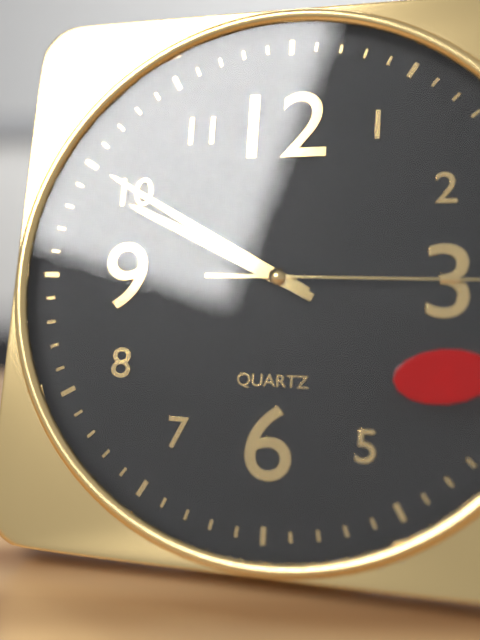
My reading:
**9:50**
